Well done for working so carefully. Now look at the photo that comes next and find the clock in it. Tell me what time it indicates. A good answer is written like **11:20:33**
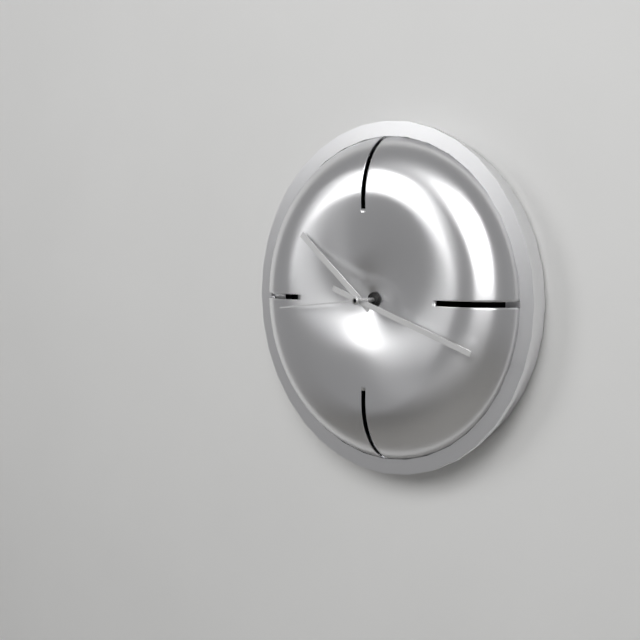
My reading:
**10:18:44**
